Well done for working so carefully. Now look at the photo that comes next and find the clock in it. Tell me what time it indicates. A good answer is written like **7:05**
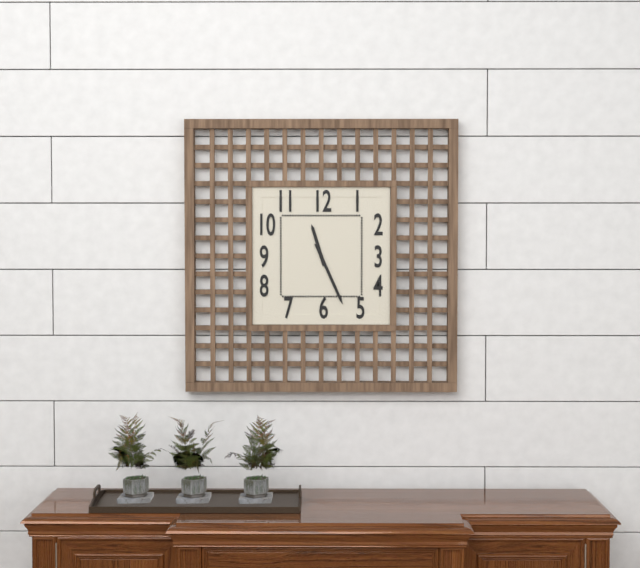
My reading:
**11:26**
